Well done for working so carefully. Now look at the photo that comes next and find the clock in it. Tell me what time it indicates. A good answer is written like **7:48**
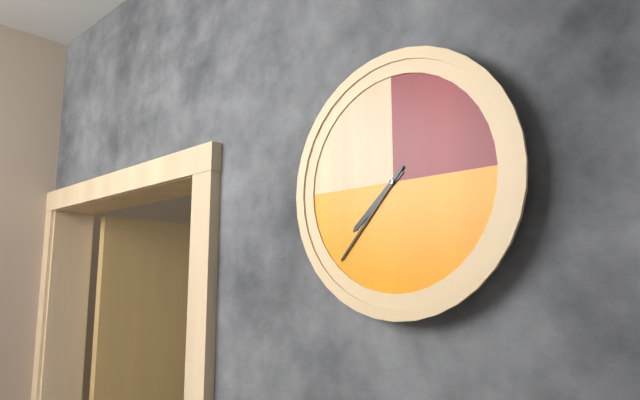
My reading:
**7:37**
